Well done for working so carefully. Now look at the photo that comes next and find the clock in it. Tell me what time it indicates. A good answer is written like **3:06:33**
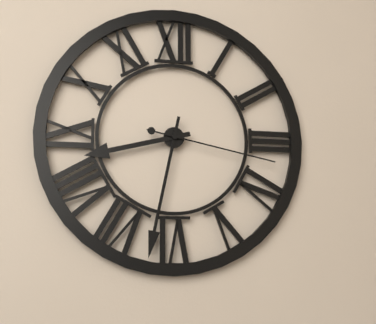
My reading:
**8:32:17**
